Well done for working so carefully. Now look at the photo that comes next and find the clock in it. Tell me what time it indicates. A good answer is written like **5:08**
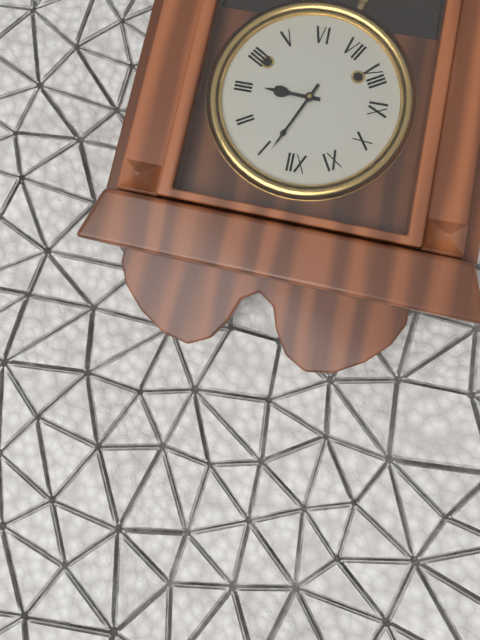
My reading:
**3:04**
